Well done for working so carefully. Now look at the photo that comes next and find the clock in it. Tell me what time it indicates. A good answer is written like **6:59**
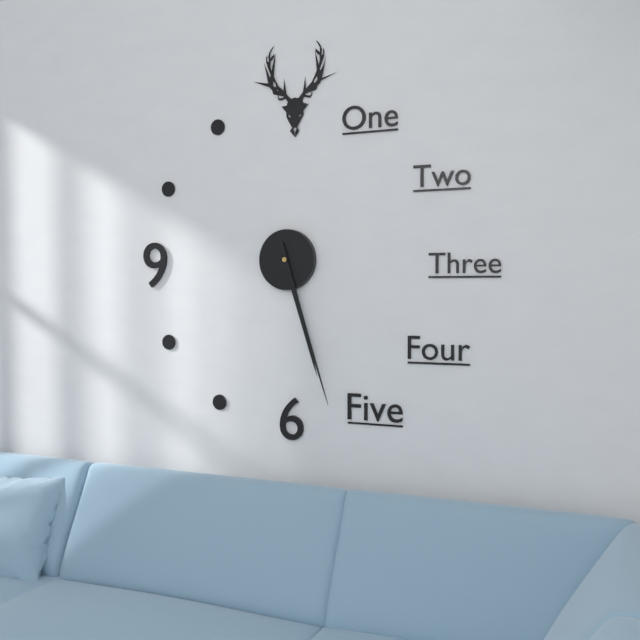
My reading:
**5:27**
